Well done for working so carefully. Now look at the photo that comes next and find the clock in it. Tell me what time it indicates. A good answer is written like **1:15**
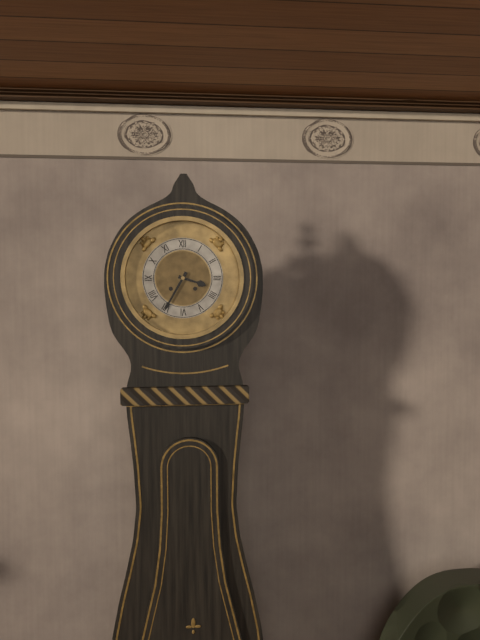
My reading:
**3:35**
